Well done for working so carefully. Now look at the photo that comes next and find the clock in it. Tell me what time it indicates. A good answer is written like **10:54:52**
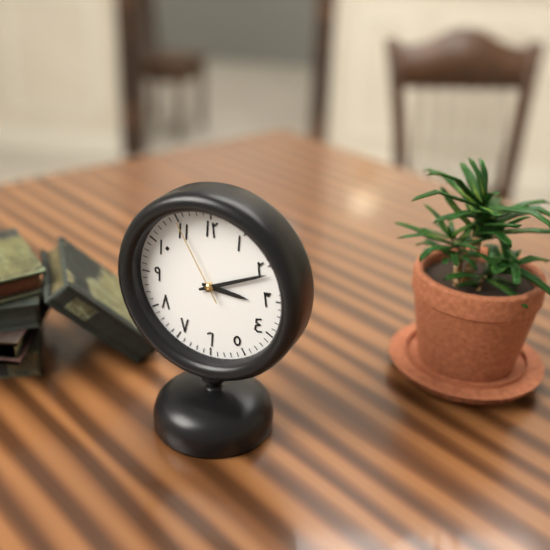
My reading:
**3:11:55**
